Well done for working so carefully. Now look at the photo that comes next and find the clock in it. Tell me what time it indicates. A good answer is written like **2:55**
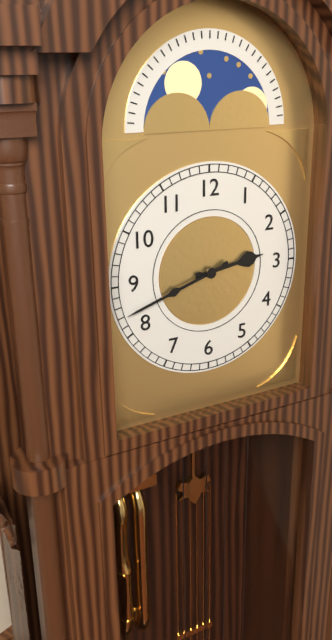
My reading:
**2:42**
